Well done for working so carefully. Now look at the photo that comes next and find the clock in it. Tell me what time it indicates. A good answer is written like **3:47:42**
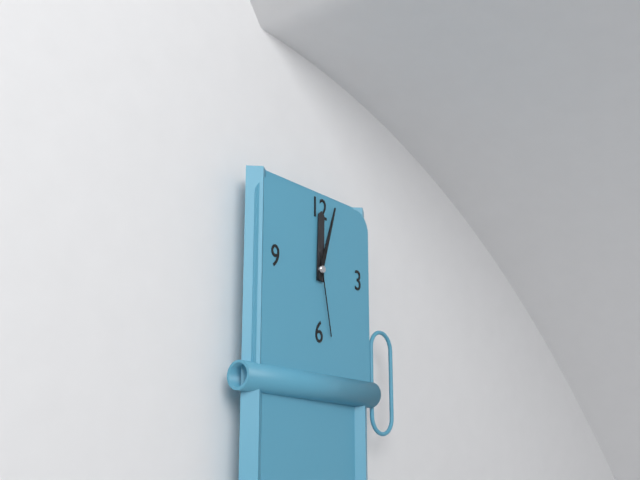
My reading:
**12:03:28**
